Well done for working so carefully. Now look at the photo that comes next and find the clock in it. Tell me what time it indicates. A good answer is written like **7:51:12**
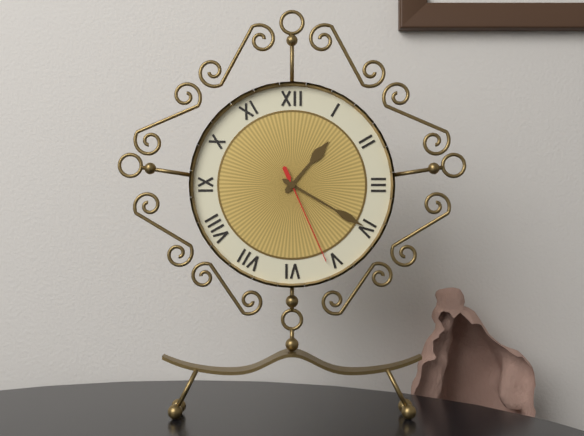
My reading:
**1:20:26**
